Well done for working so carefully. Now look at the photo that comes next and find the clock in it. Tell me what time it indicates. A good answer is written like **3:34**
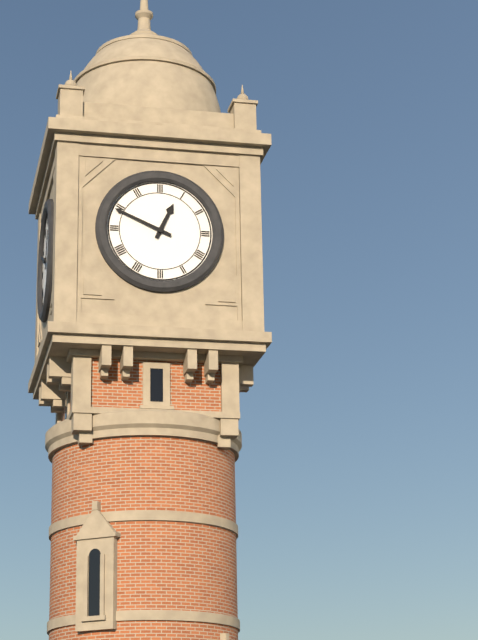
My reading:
**12:49**
